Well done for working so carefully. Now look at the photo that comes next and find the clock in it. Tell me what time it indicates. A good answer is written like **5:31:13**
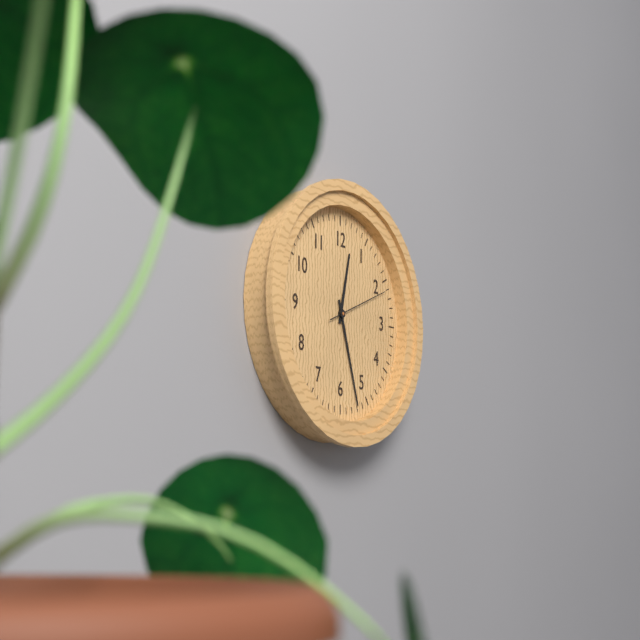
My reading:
**12:27:11**
